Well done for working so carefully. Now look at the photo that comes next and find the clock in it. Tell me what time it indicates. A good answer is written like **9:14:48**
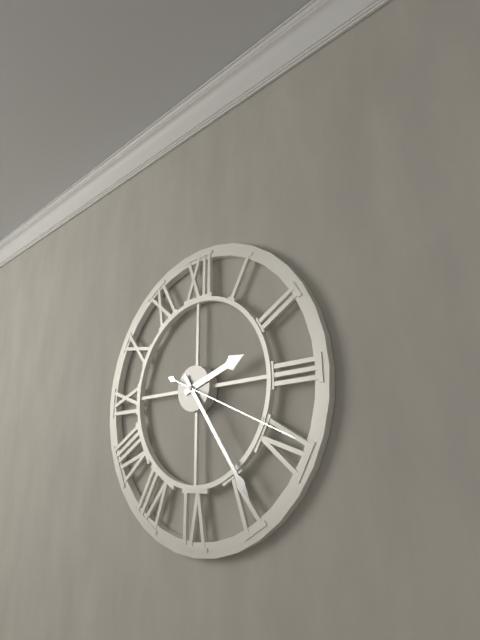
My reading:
**2:24:19**
